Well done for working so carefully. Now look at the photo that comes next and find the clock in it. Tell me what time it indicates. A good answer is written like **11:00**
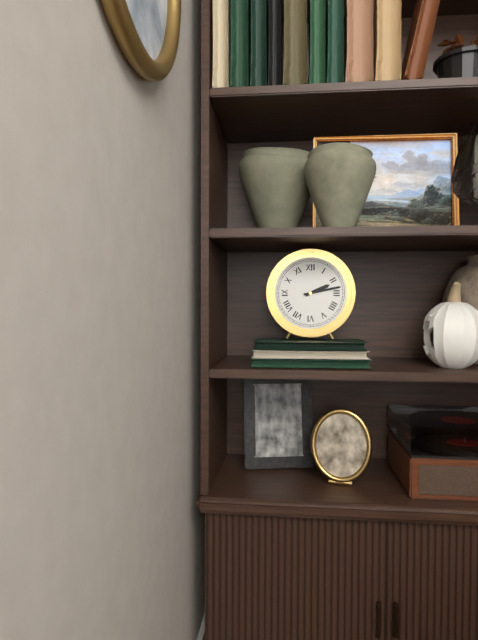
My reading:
**2:13**
